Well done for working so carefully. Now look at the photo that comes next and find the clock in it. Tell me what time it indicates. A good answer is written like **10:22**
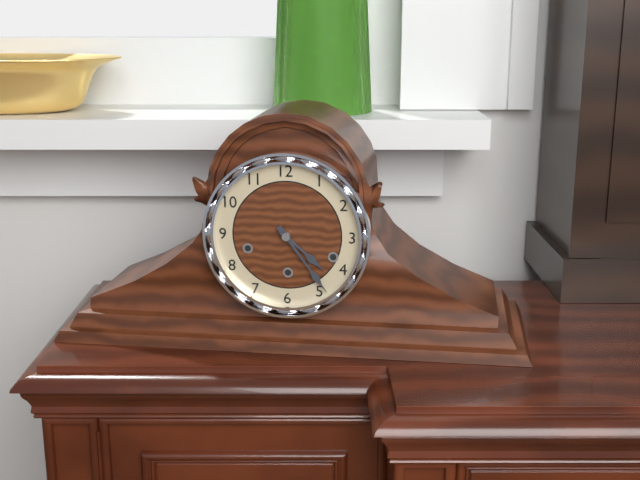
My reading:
**4:24**
